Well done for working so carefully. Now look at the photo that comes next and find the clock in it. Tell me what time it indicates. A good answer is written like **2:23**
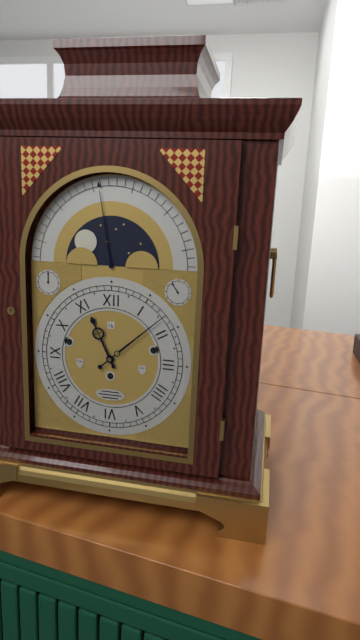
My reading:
**11:08**
